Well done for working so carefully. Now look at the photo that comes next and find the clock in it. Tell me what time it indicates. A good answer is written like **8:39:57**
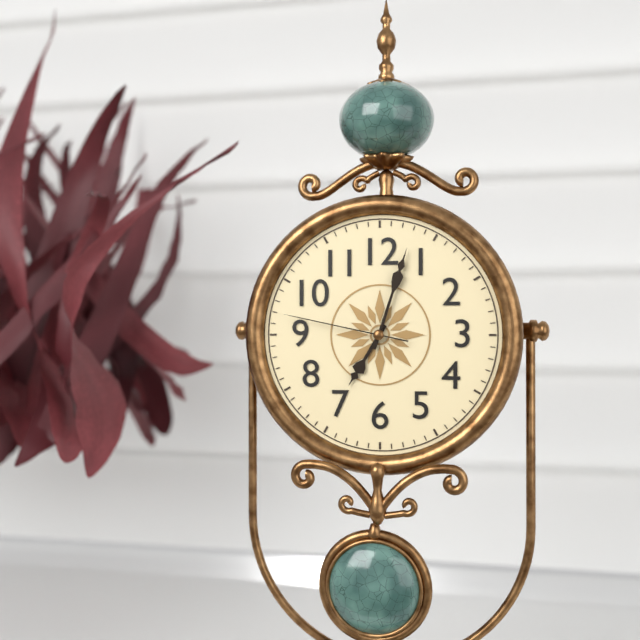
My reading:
**7:03:47**
